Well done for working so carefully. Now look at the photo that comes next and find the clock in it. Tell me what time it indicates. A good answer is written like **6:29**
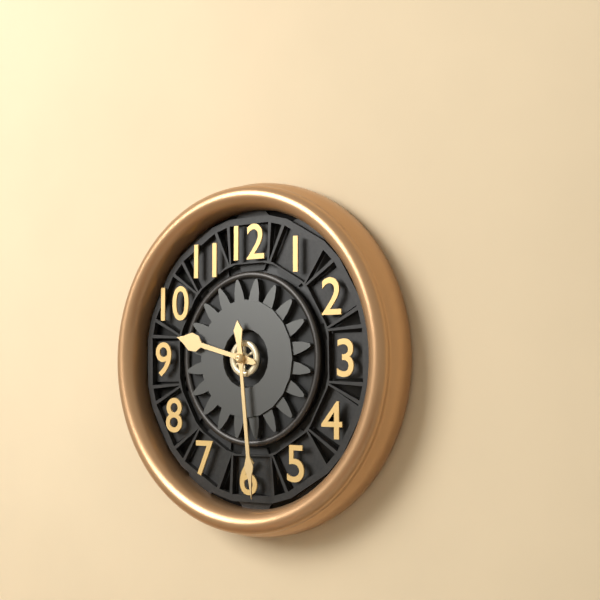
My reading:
**9:29**
